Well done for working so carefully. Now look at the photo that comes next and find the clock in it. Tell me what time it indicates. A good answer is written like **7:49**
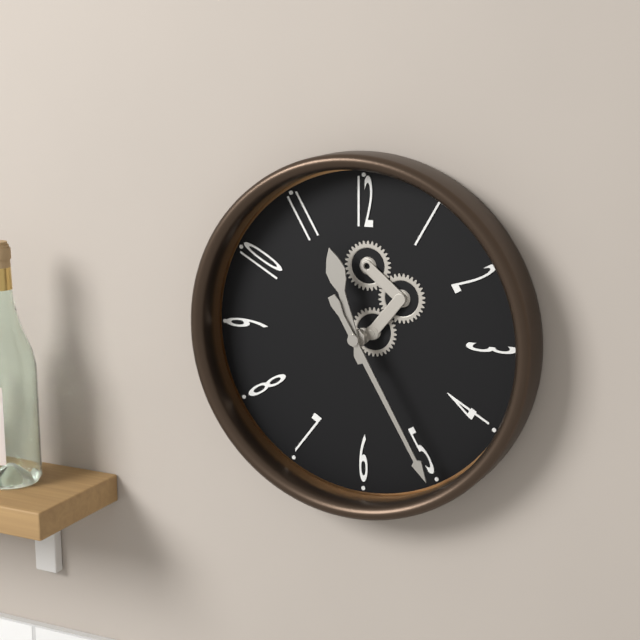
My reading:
**11:25**
